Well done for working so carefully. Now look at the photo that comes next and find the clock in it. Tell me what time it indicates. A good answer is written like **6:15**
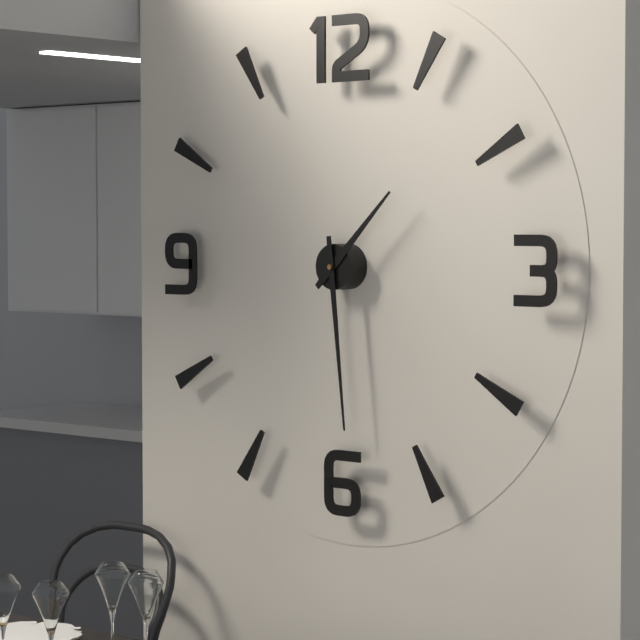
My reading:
**1:29**
